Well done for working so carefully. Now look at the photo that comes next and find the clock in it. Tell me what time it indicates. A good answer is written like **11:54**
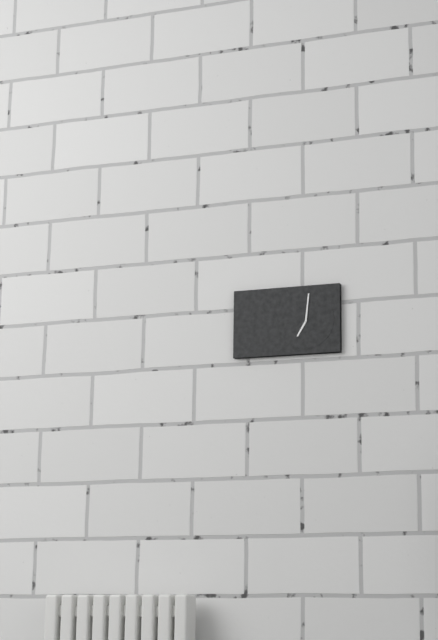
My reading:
**7:01**
